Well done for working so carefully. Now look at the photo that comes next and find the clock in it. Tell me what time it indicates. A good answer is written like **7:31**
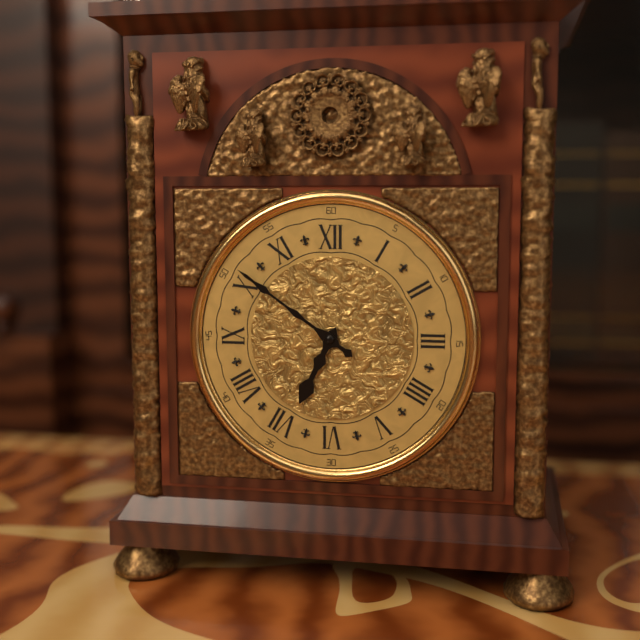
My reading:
**6:51**
